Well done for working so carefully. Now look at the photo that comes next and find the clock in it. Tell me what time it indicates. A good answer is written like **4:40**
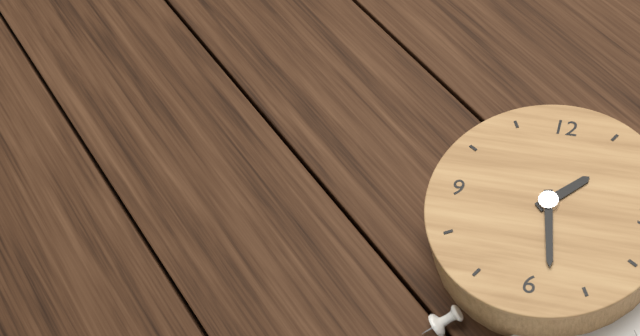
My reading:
**1:28**
